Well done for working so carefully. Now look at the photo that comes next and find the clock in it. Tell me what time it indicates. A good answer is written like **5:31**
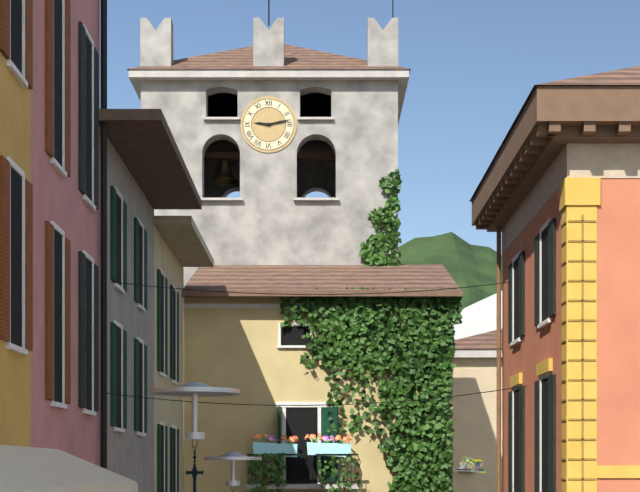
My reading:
**9:13**
